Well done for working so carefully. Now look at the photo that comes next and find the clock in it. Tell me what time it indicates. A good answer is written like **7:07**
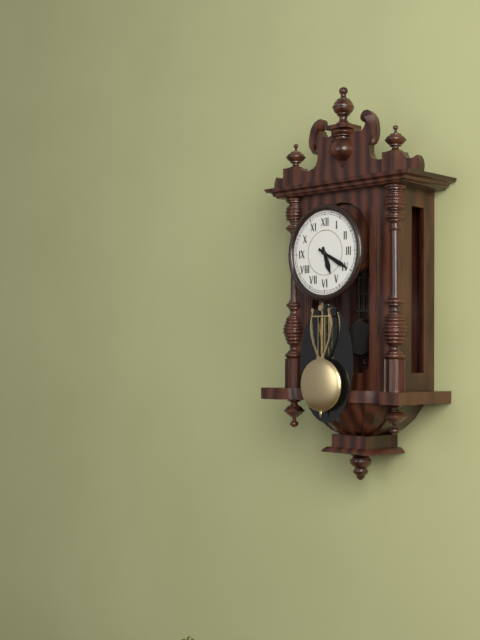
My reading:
**5:20**
